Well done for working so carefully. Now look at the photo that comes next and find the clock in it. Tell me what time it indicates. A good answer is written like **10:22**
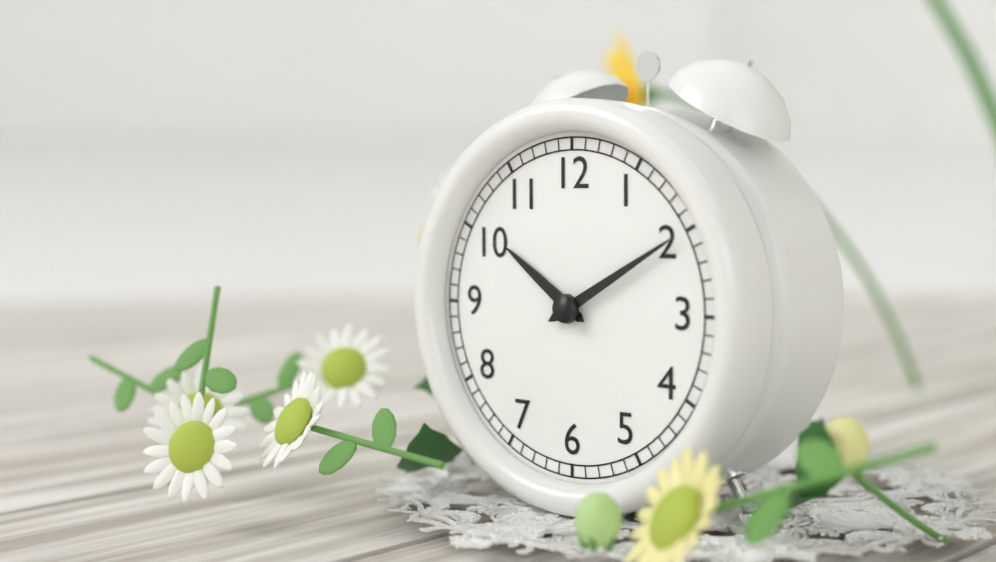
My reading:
**10:10**
